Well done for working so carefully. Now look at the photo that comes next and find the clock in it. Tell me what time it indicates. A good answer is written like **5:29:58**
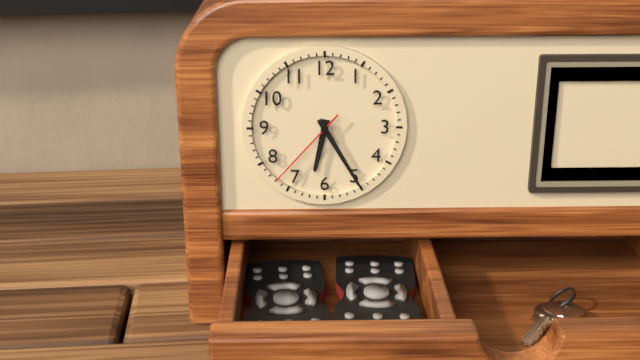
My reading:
**6:25:37**
